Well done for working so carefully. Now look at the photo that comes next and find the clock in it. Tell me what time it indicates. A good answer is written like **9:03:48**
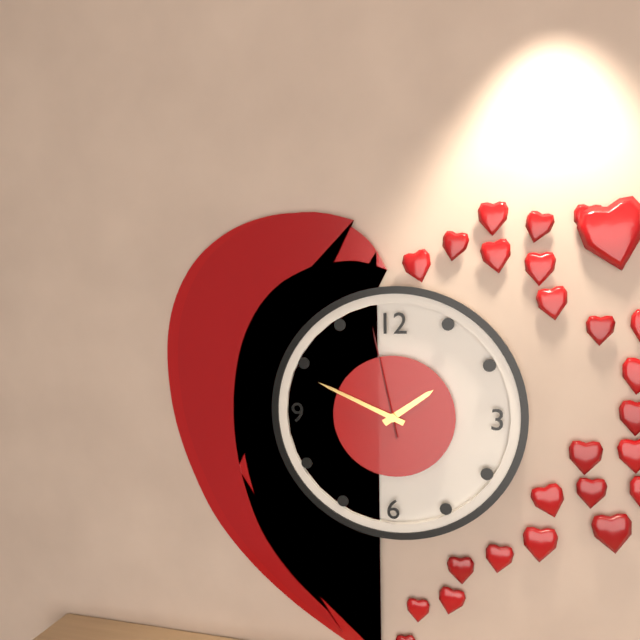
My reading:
**1:49:58**
